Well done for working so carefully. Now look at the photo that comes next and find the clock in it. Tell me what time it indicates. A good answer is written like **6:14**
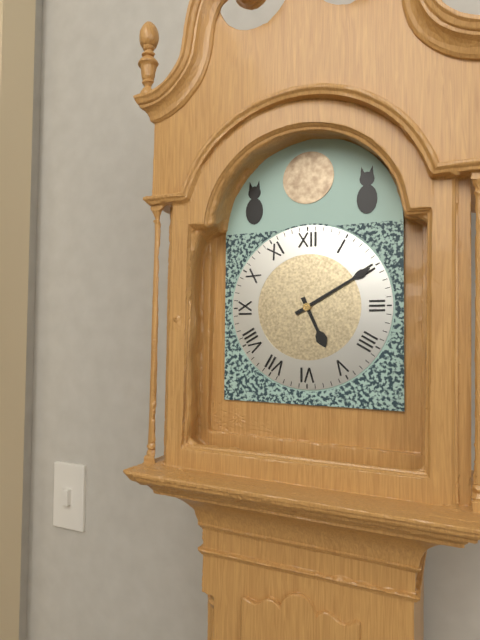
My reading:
**5:10**
